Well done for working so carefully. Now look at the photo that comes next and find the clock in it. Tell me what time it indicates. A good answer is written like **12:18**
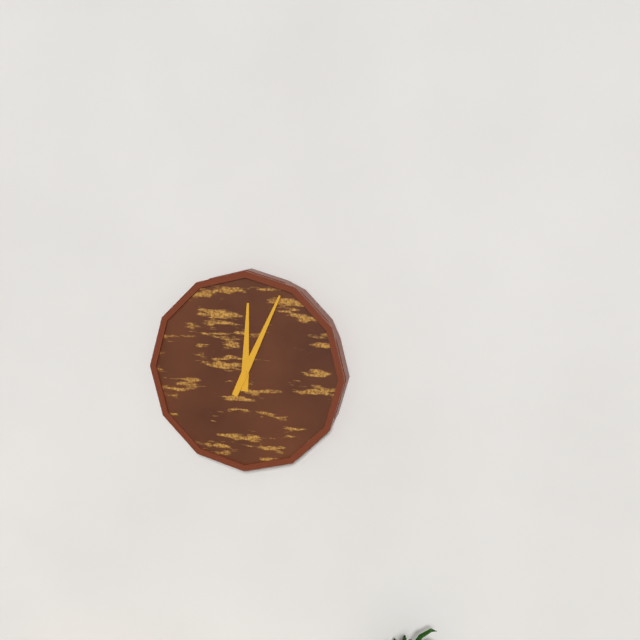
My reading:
**12:04**
